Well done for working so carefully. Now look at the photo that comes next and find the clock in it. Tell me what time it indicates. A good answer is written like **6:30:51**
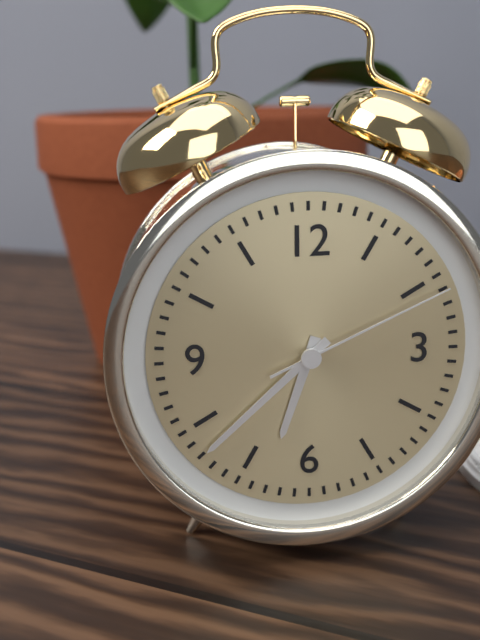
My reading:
**6:38:11**
